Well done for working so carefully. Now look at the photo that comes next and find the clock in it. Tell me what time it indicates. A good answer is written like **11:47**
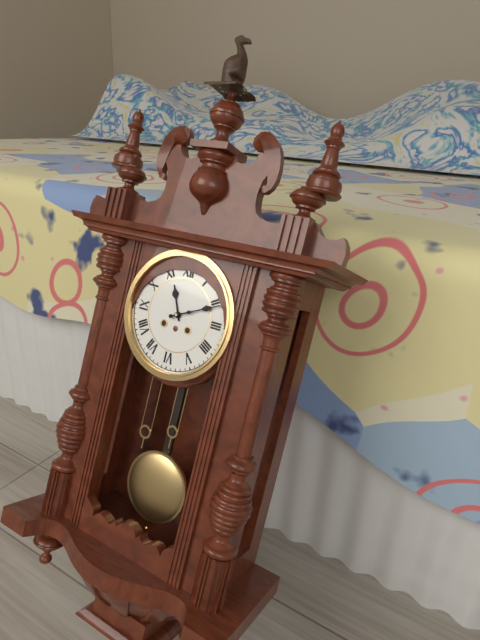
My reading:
**11:11**
